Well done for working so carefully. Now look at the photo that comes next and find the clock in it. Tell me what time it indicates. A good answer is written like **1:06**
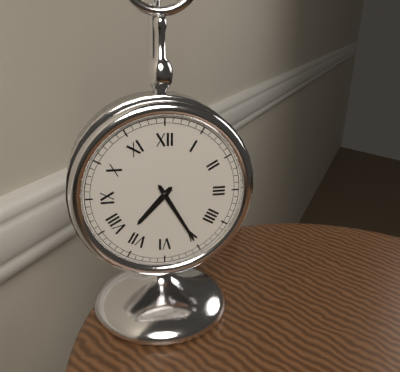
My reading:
**7:25**
